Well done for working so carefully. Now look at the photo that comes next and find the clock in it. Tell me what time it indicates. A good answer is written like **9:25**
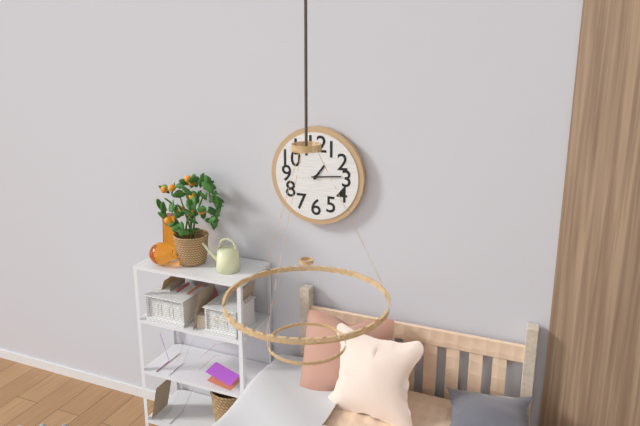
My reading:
**1:14**
